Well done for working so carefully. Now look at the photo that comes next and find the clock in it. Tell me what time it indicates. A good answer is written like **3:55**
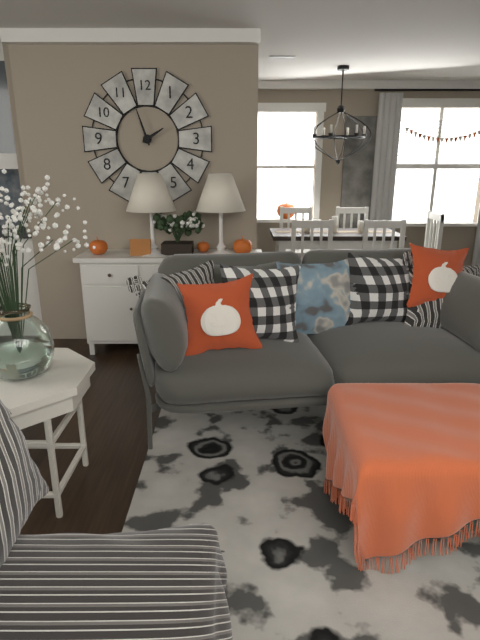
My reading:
**1:57**
